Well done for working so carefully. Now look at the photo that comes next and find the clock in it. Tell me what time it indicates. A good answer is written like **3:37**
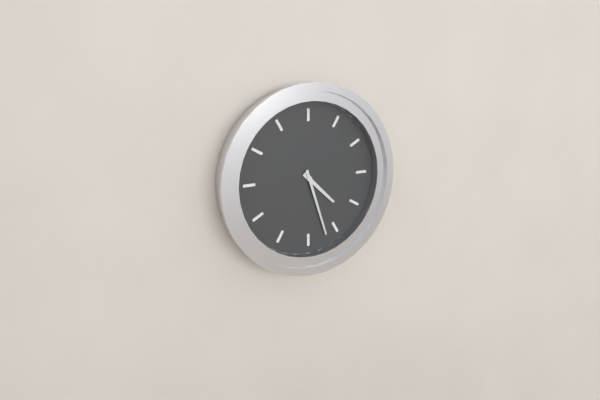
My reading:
**4:27**
